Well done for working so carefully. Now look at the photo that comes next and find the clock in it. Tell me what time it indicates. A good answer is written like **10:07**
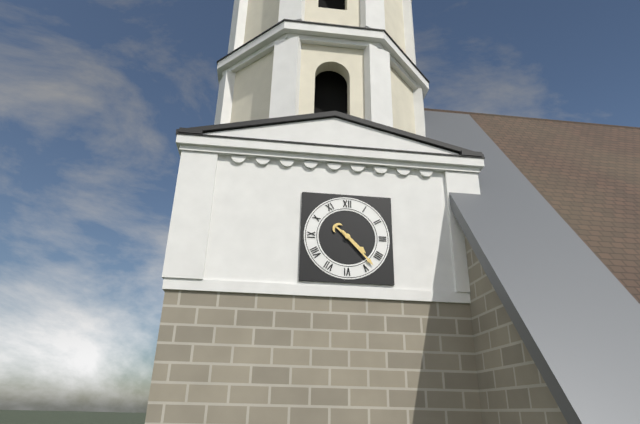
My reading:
**4:23**
